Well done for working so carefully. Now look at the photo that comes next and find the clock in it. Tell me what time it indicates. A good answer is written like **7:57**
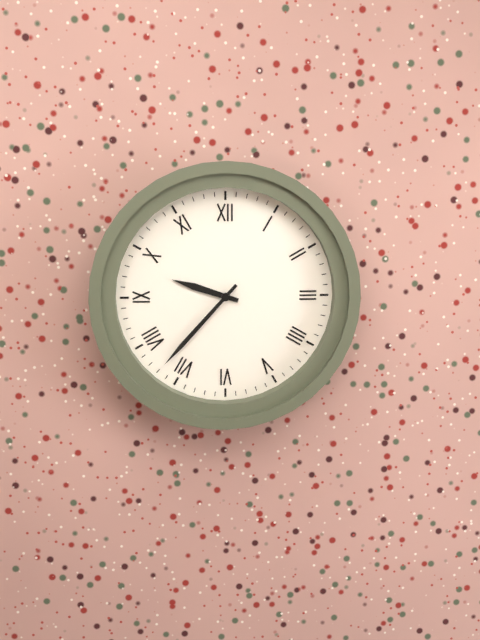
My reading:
**9:37**
